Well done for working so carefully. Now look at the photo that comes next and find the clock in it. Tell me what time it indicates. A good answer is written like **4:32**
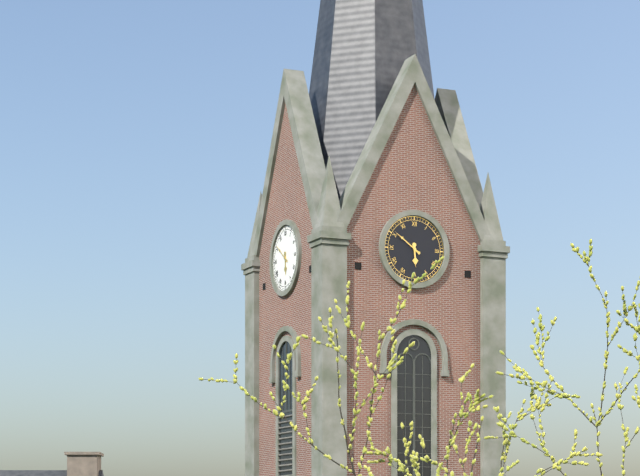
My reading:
**5:51**
